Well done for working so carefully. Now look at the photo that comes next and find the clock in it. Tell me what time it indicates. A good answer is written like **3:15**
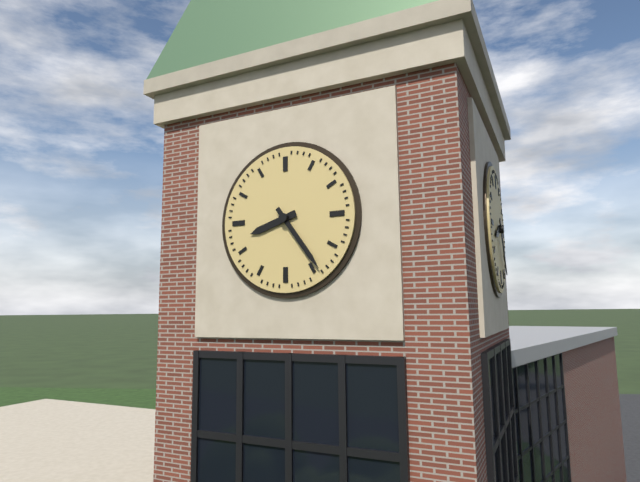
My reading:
**8:24**
